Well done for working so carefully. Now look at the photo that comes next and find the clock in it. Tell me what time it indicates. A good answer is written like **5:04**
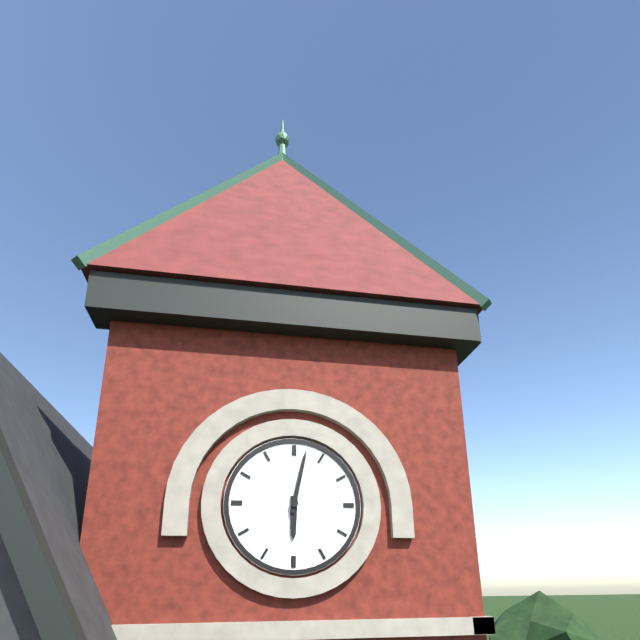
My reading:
**6:02**
